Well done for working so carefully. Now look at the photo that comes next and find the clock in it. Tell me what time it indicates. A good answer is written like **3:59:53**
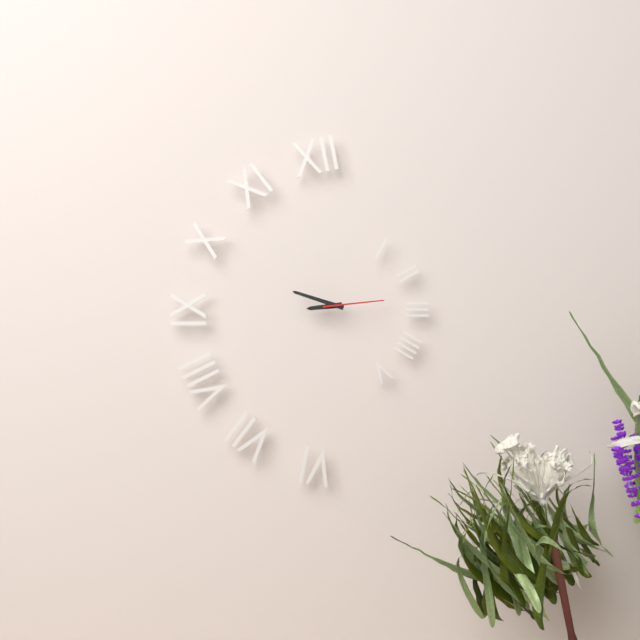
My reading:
**8:48:14**
